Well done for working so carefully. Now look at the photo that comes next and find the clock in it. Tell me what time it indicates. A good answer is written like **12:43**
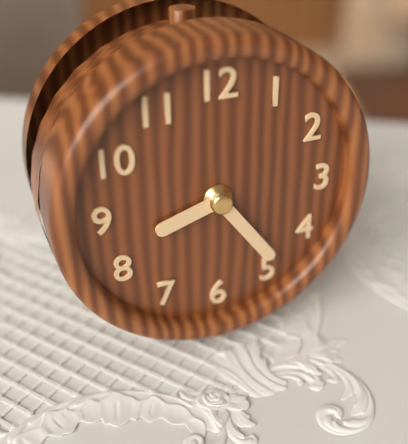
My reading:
**8:24**
